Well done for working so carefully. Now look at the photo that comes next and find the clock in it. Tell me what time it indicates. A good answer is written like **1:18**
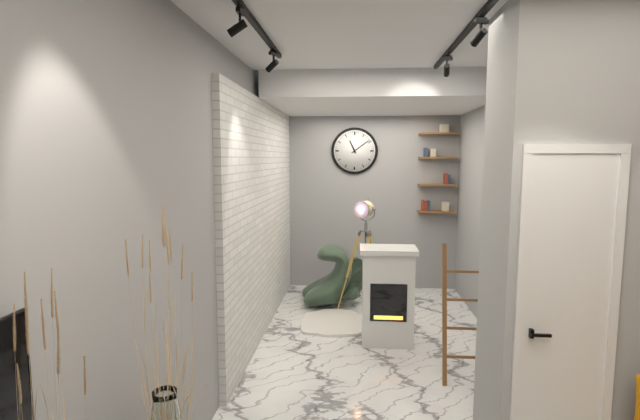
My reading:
**11:09**
